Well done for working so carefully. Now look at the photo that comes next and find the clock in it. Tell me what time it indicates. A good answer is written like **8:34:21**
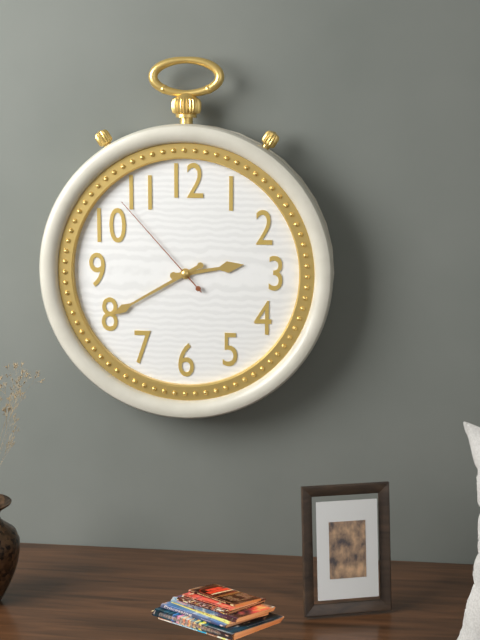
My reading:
**2:40:53**
